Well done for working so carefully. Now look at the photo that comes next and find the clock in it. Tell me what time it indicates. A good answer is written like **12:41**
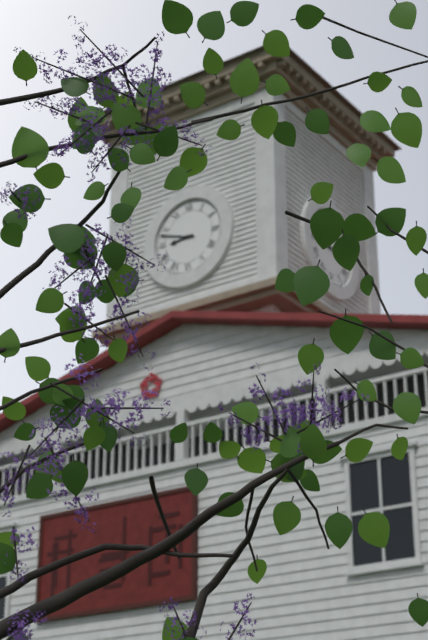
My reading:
**8:48**
